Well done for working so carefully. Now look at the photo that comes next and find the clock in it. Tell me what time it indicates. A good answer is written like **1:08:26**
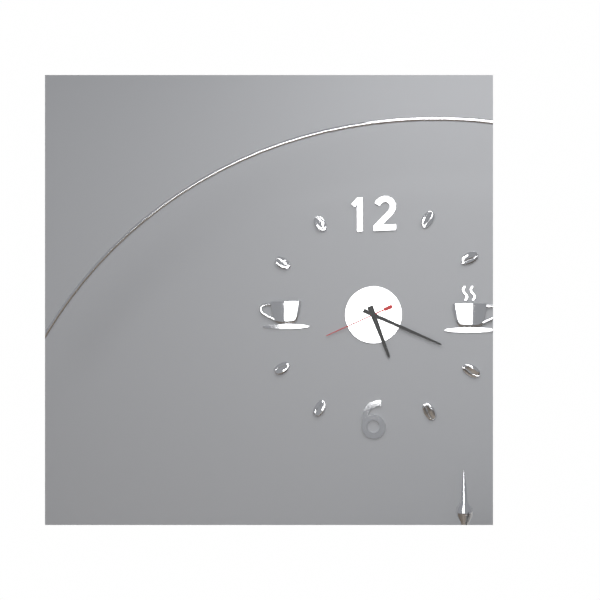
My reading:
**5:19:41**
